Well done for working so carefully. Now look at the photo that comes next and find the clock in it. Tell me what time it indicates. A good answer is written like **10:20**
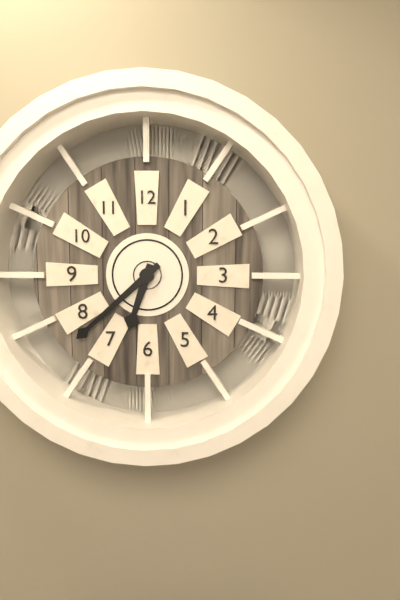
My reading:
**6:38**
